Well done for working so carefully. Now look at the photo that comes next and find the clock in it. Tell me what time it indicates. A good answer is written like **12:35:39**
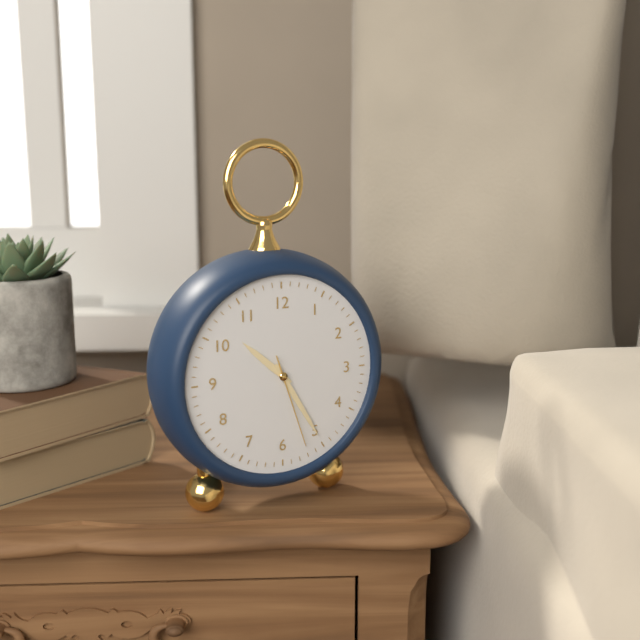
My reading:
**10:25:27**
